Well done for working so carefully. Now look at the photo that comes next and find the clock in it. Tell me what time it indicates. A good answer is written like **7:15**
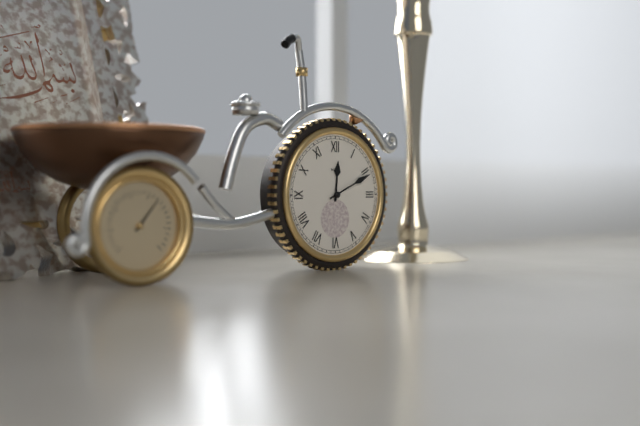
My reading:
**12:11**
